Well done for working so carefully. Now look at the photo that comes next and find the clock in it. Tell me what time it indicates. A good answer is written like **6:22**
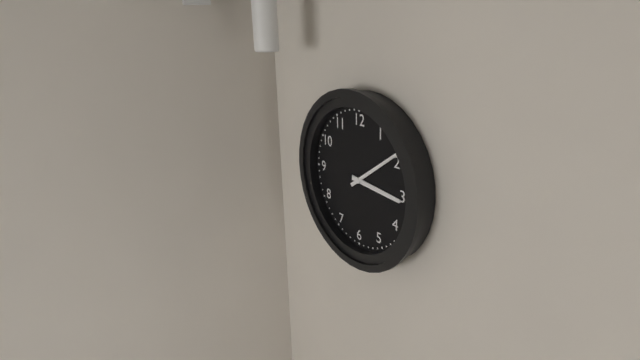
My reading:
**3:09**
